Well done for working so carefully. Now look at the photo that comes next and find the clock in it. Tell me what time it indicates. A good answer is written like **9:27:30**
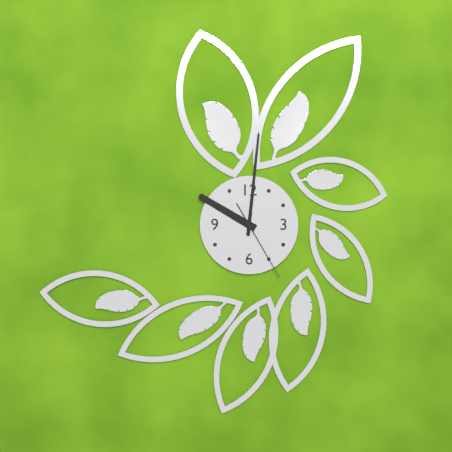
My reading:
**10:01:25**
